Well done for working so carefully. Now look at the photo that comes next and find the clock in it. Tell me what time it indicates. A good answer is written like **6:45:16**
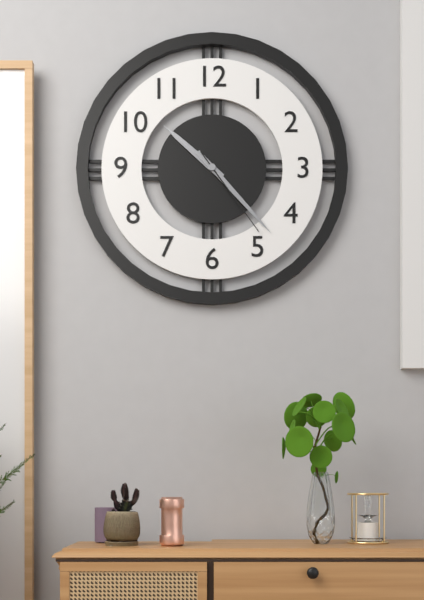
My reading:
**10:23:24**
